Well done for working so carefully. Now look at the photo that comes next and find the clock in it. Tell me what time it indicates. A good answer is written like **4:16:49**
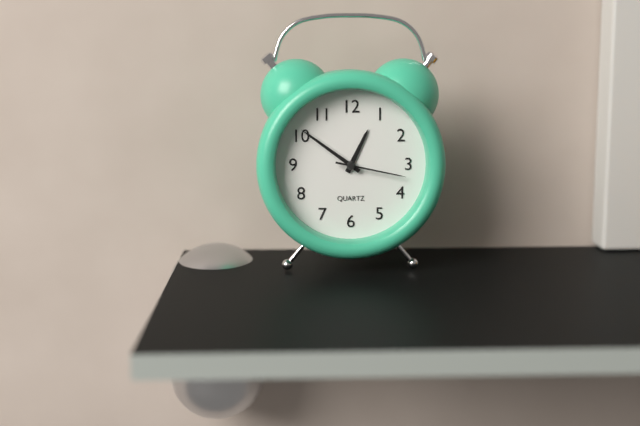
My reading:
**12:51:17**
